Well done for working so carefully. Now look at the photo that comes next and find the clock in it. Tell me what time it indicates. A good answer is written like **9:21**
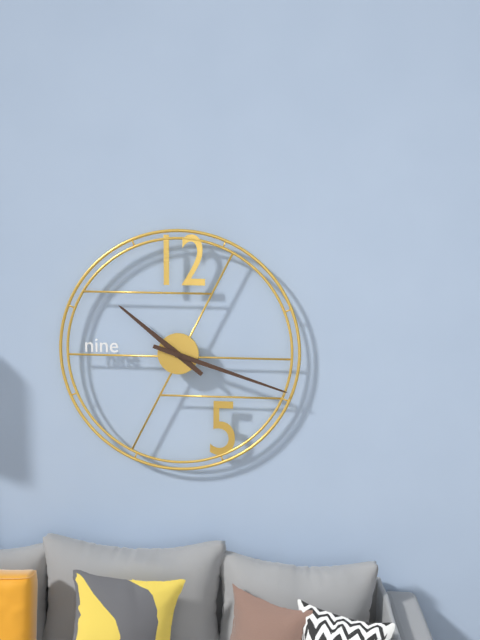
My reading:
**10:18**
